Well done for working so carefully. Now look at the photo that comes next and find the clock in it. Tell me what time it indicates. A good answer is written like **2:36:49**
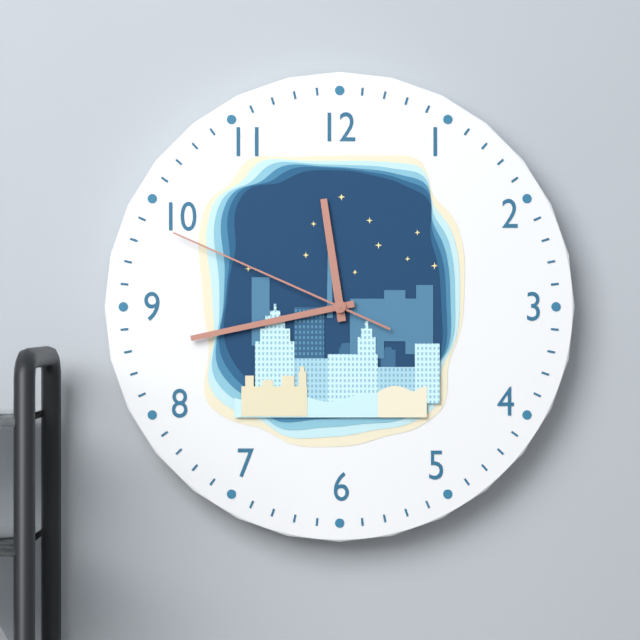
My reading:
**11:43:49**
